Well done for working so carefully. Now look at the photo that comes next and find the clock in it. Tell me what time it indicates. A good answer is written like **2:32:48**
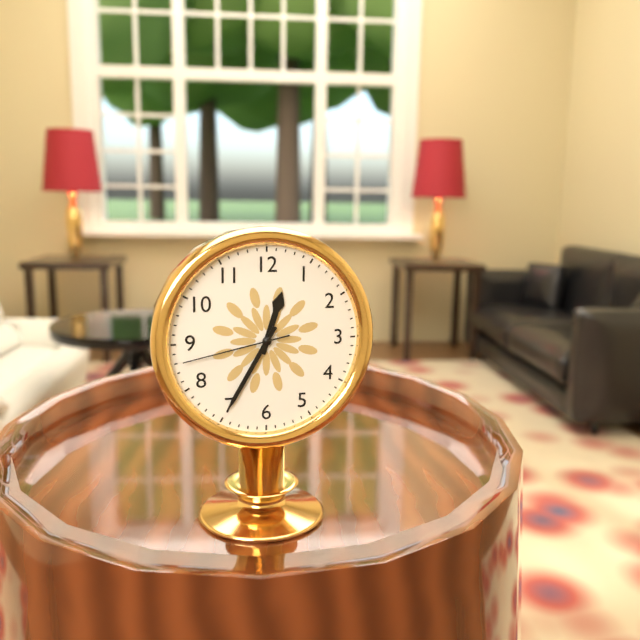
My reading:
**12:35:43**
